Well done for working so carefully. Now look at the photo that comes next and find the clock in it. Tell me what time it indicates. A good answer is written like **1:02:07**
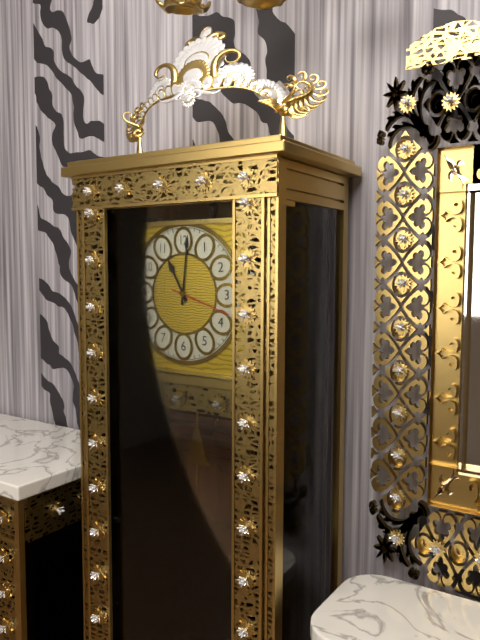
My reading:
**11:01:18**
